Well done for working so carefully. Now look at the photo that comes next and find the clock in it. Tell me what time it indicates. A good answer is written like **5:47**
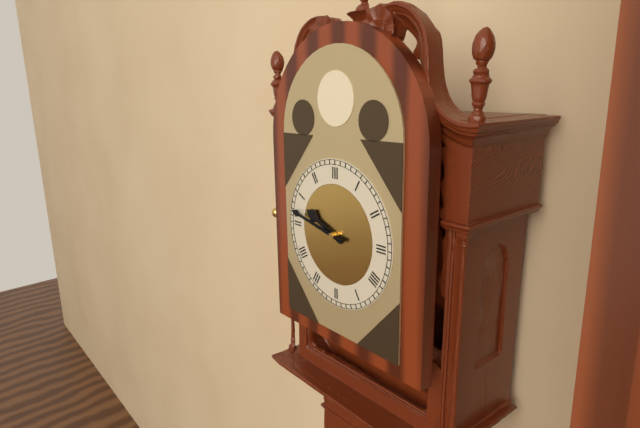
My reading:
**9:47**
